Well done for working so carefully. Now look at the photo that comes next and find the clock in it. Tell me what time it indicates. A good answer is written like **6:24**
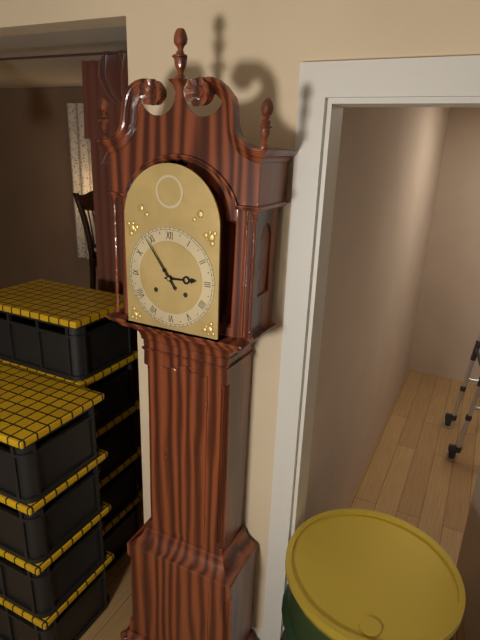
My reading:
**2:54**
